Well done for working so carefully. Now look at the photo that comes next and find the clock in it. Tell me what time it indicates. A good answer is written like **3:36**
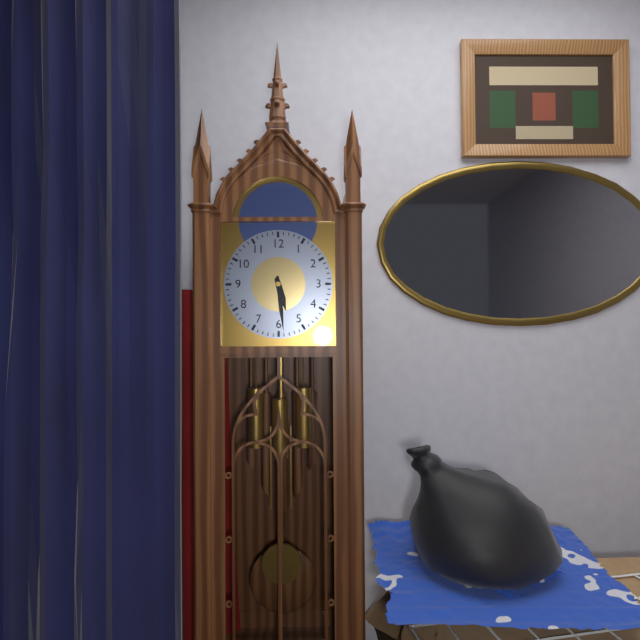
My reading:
**5:29**
